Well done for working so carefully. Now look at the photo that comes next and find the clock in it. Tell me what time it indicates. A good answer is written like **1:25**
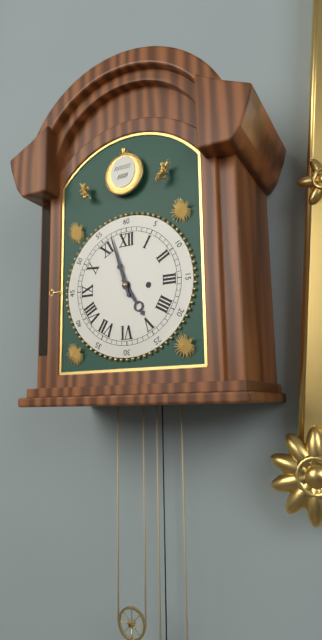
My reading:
**4:57**
